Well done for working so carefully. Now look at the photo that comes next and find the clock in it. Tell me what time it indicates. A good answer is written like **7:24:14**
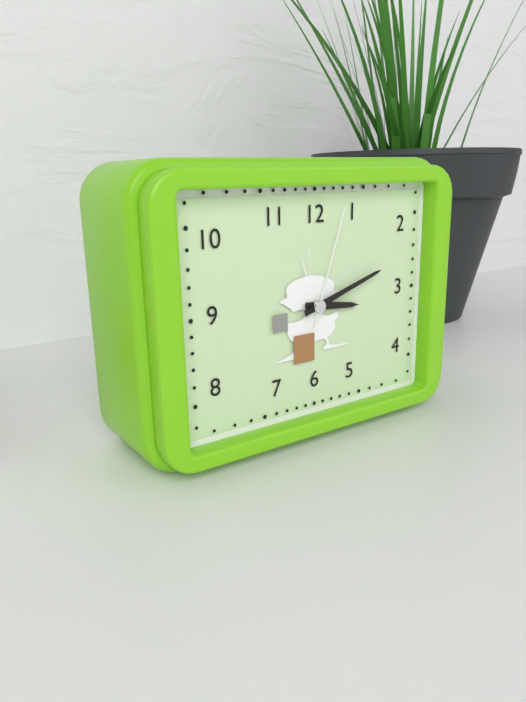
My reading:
**3:12:03**
